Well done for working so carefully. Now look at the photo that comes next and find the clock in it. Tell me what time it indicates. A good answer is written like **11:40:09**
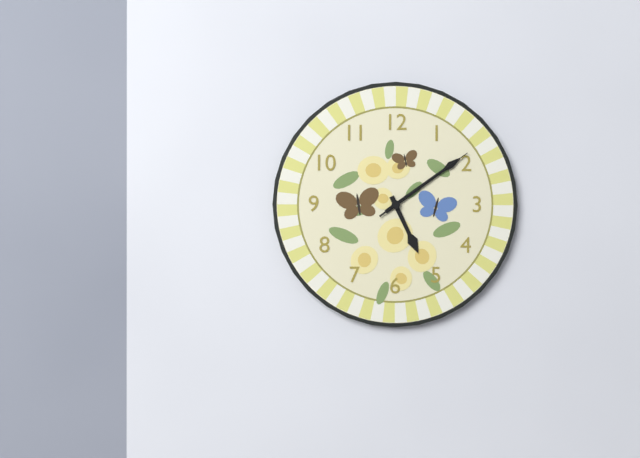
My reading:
**5:09:09**
